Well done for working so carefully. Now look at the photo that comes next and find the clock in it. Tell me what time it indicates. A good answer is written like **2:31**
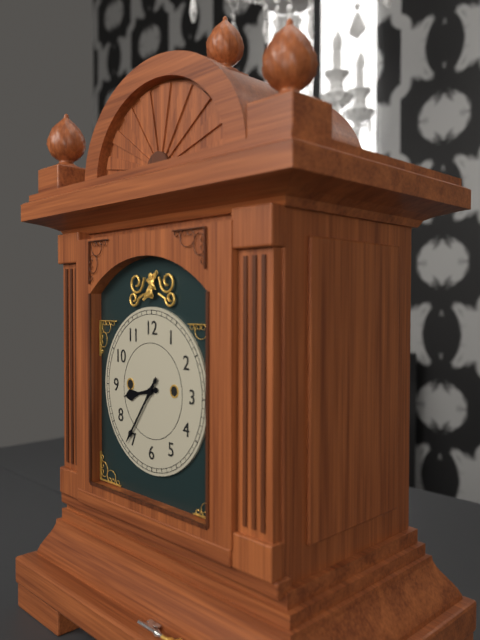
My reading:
**8:36**
